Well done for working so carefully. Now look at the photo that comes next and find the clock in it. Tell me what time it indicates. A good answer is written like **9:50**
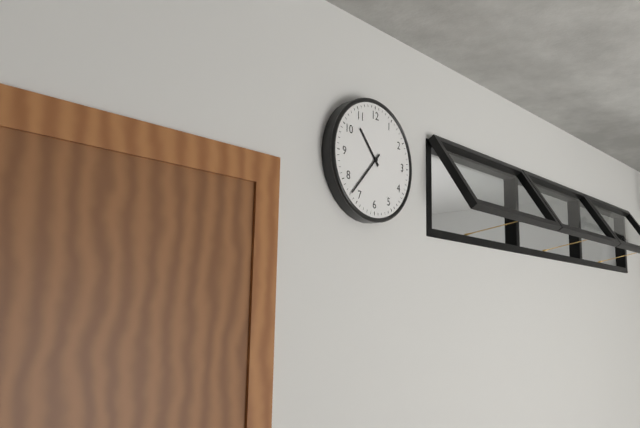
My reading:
**10:37**
